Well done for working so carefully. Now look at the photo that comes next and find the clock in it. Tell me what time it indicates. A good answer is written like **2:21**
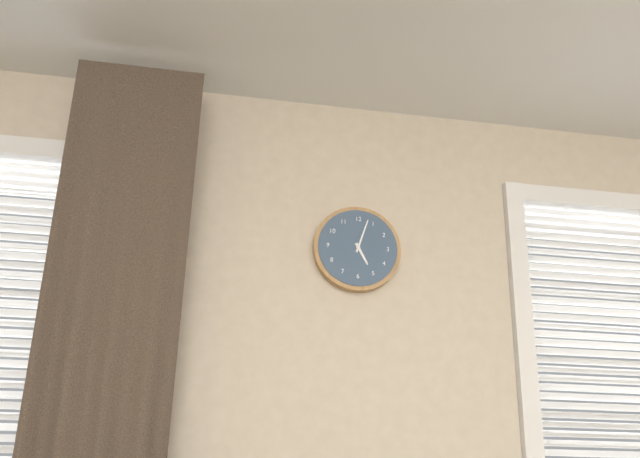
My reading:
**5:03**
